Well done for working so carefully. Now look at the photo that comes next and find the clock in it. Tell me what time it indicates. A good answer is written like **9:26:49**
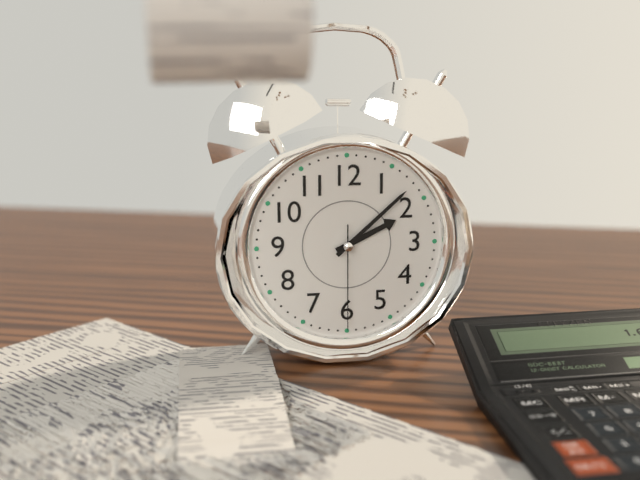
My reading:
**2:08:30**
